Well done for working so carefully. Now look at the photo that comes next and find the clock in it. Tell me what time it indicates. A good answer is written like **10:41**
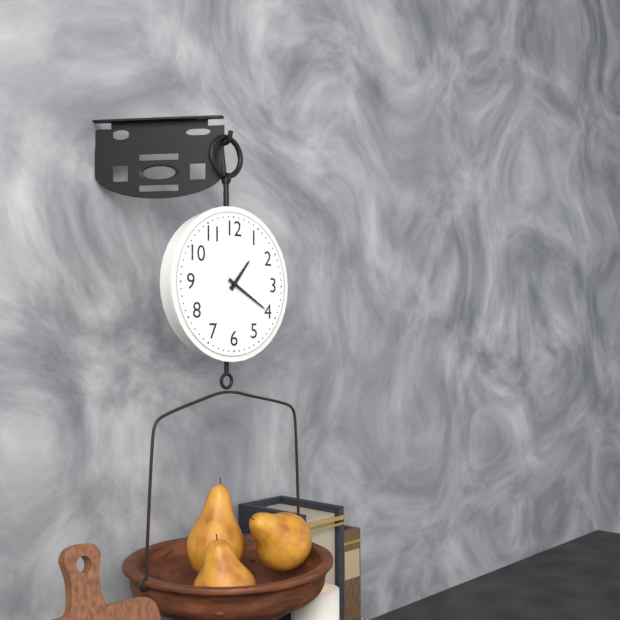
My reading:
**1:20**
